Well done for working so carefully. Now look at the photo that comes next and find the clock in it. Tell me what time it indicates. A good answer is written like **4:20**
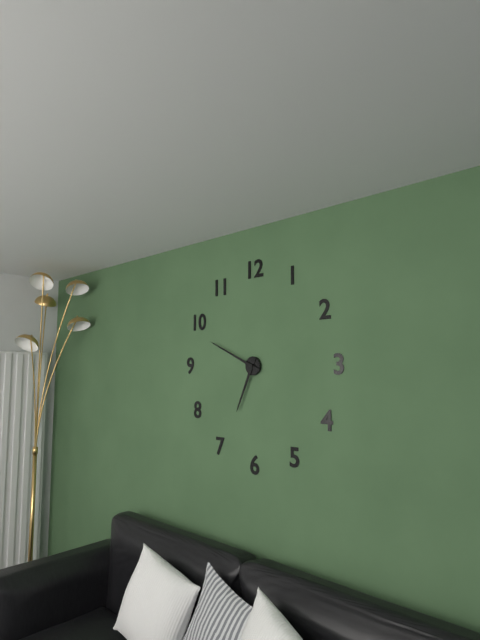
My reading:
**6:49**
